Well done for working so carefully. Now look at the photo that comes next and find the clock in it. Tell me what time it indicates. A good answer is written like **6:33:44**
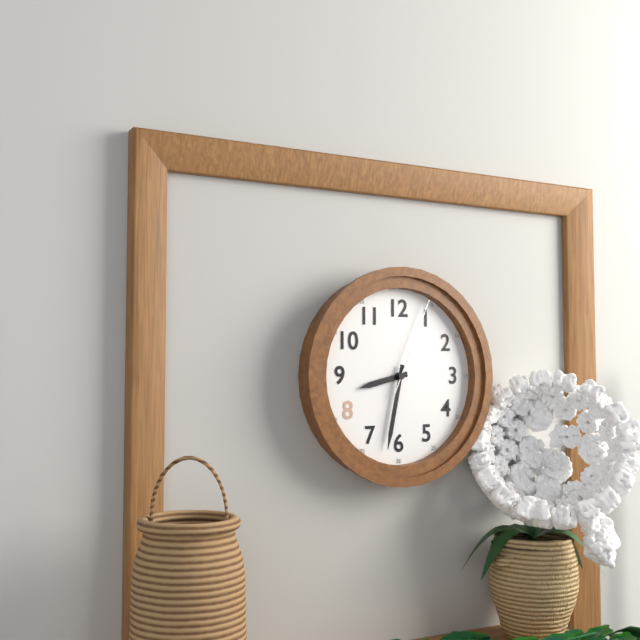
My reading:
**8:32:04**
